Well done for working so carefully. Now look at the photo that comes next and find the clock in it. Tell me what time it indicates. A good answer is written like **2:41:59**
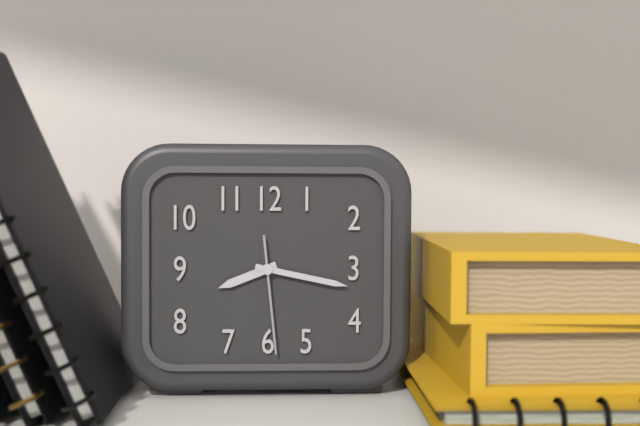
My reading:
**8:17:29**
